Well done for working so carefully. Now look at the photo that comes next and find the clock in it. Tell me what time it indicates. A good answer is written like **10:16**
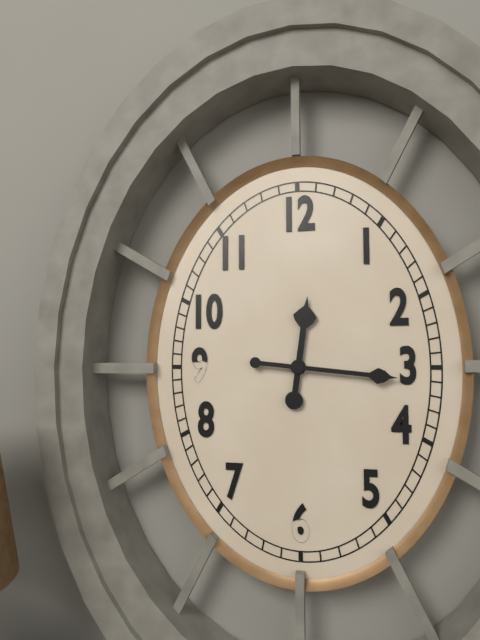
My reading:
**12:16**
